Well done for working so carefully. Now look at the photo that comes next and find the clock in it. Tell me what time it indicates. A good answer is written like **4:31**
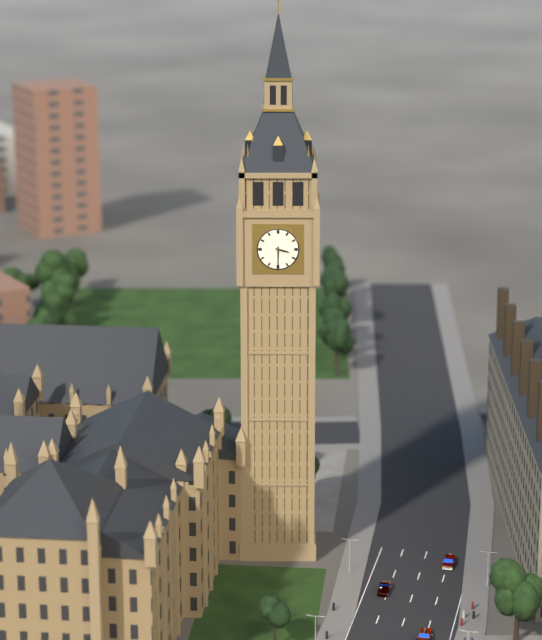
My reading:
**3:30**
